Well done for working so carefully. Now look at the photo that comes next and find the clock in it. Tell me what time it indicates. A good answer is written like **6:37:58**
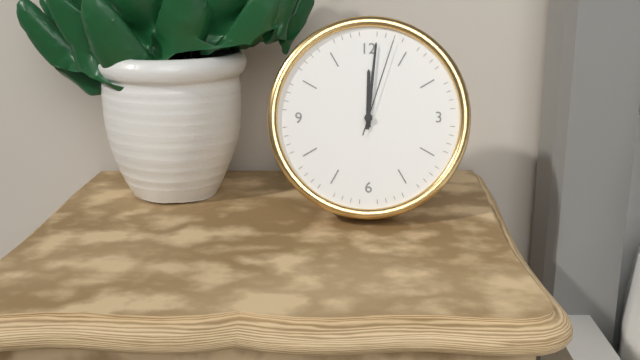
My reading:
**12:01:03**
